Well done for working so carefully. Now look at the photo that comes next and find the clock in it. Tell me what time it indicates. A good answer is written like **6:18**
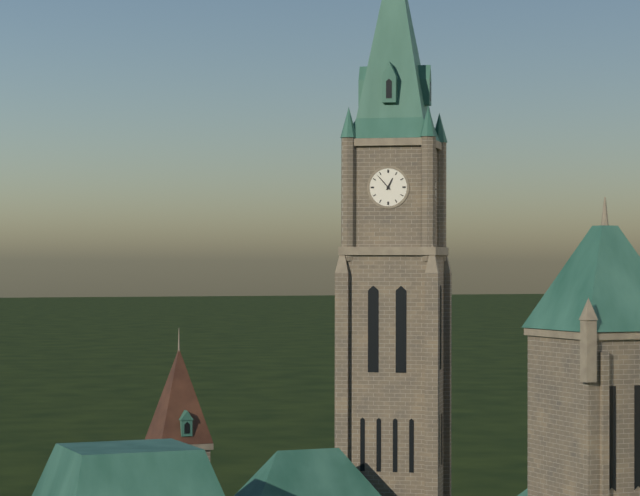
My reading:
**12:53**
